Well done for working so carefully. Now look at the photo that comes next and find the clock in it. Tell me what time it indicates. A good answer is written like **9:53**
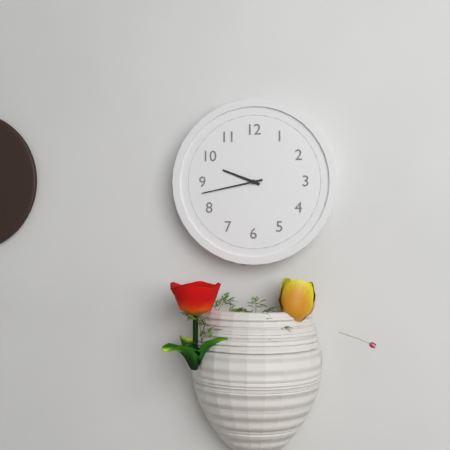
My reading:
**9:43**
